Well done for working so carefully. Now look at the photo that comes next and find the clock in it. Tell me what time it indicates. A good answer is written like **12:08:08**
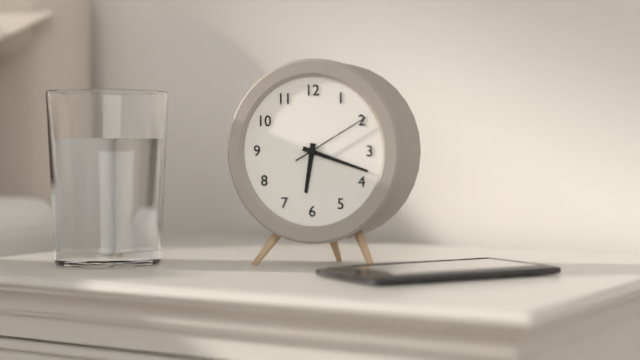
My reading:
**6:18:10**
